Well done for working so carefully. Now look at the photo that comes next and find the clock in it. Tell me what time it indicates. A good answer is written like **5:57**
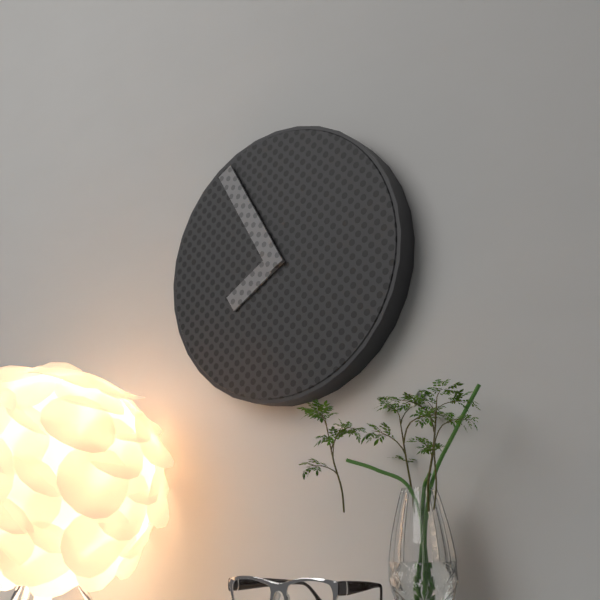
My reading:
**7:55**
